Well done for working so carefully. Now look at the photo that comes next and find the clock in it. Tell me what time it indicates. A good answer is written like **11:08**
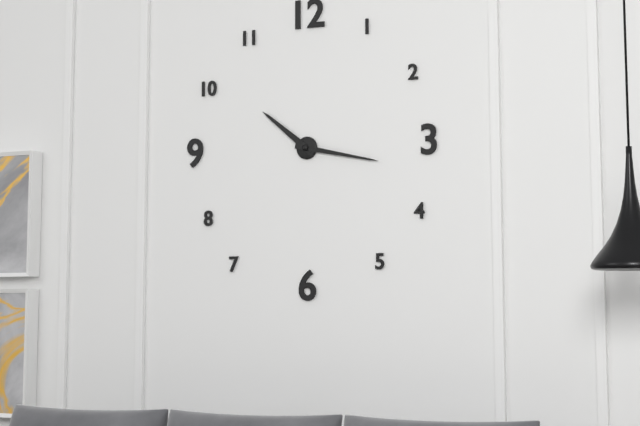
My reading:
**10:17**
